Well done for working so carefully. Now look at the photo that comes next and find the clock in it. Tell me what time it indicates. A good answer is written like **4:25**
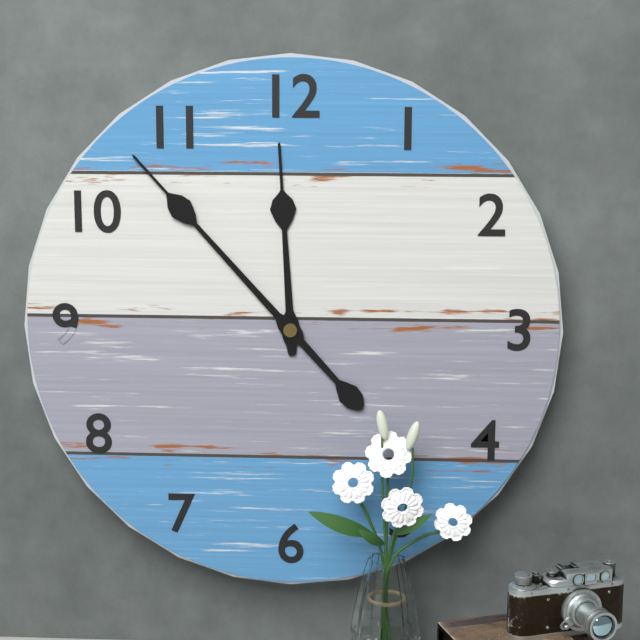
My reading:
**11:53**
